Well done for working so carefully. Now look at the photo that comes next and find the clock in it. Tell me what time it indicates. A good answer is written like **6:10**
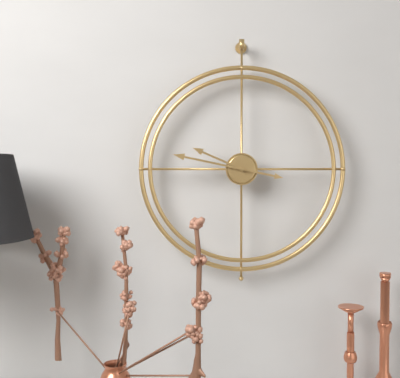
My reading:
**9:47**
